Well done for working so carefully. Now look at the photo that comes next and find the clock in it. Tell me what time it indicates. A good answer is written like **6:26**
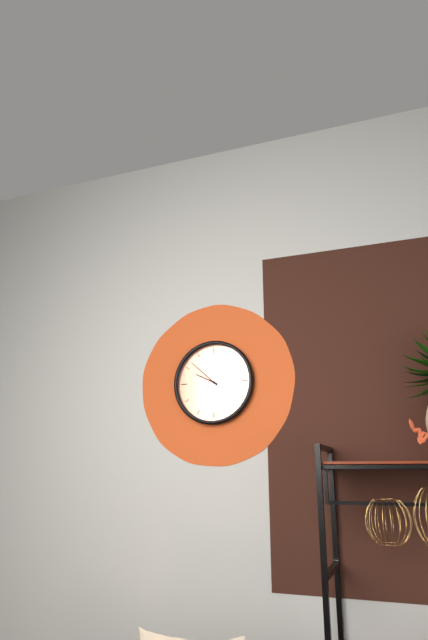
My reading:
**9:52**
